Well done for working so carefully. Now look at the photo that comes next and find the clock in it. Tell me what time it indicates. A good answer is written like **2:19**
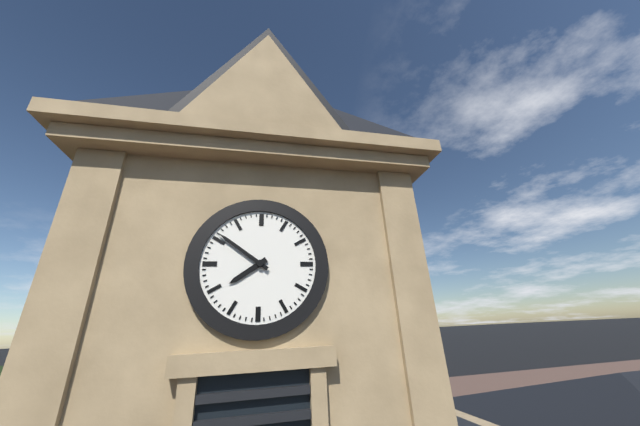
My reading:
**7:51**
